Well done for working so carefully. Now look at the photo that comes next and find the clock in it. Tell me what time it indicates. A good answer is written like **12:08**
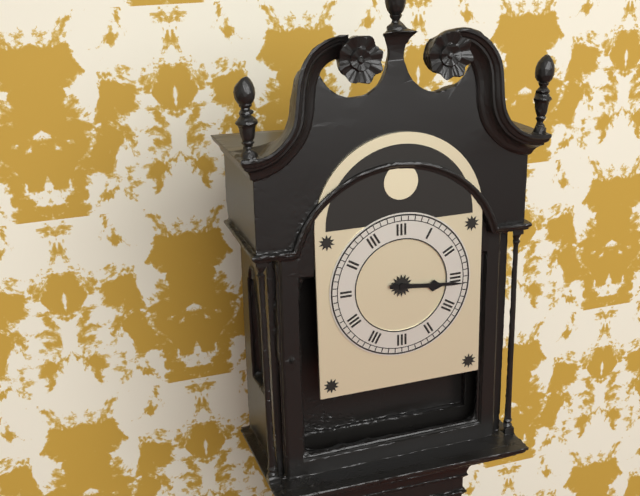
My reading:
**3:16**
